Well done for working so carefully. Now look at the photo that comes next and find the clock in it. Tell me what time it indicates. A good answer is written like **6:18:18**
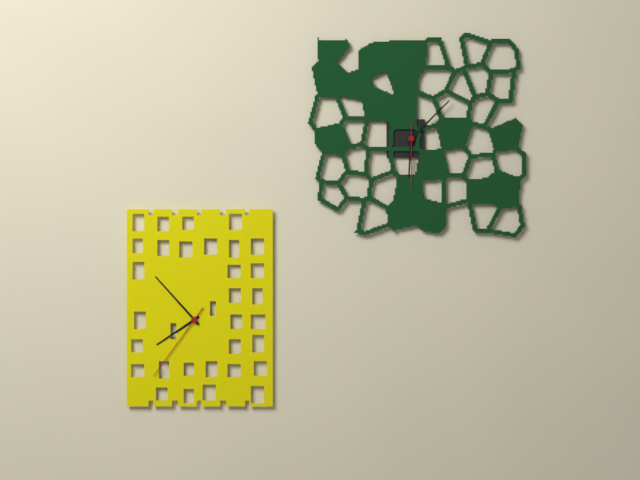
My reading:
**7:53:36**
